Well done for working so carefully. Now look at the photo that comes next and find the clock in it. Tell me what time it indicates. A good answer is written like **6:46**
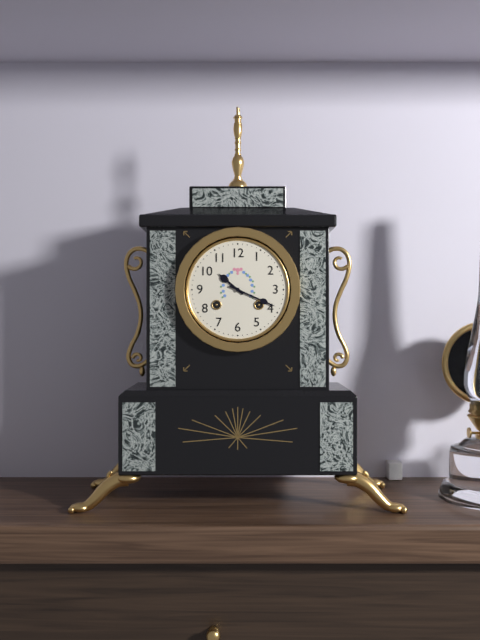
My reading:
**10:19**
